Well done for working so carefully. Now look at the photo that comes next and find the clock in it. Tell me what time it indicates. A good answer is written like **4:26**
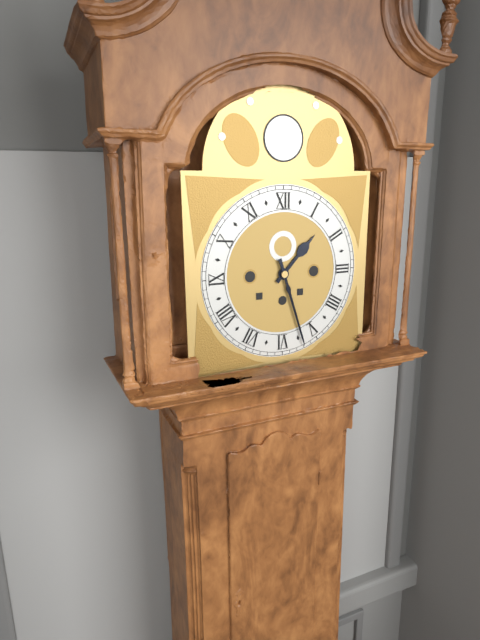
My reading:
**1:27**
